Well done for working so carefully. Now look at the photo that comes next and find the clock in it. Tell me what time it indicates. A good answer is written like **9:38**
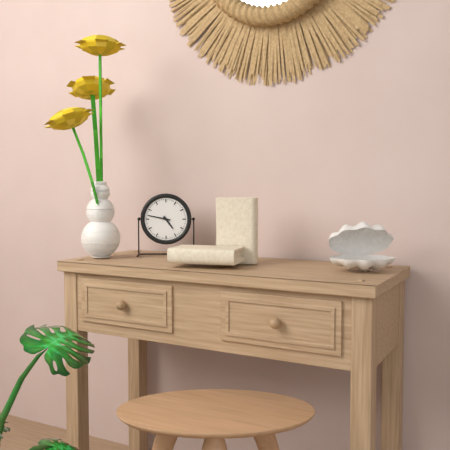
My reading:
**4:47**
